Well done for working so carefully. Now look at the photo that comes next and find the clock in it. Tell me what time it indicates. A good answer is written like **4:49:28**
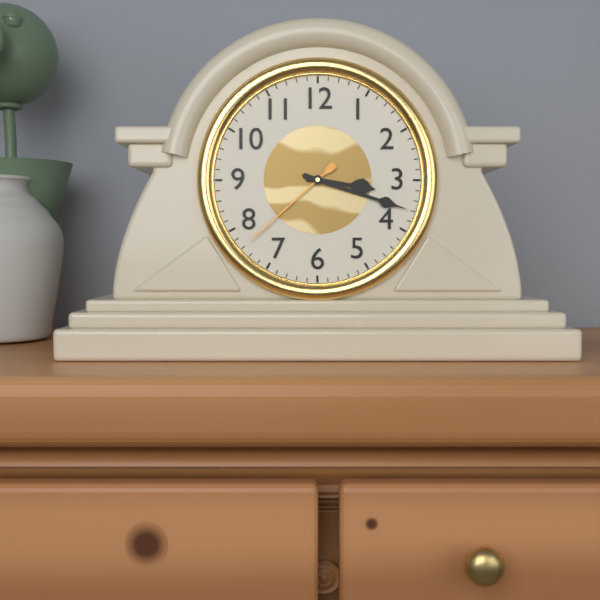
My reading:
**3:18:38**
